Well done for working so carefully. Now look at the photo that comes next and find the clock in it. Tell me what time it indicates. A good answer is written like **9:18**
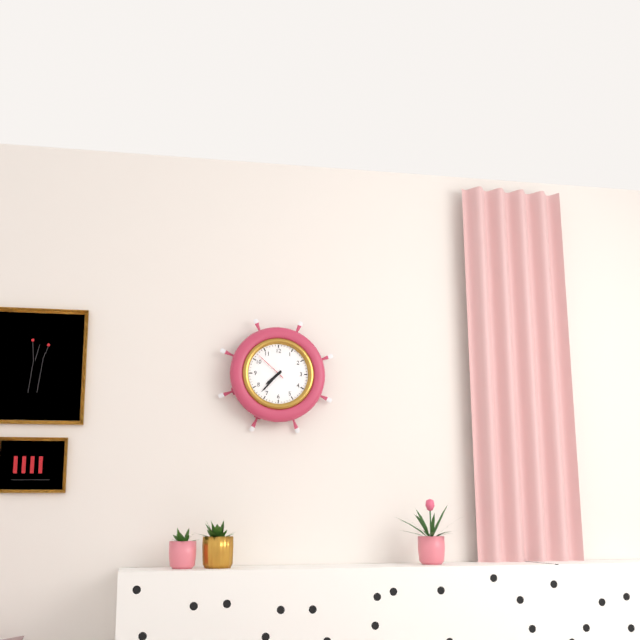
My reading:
**7:37**
